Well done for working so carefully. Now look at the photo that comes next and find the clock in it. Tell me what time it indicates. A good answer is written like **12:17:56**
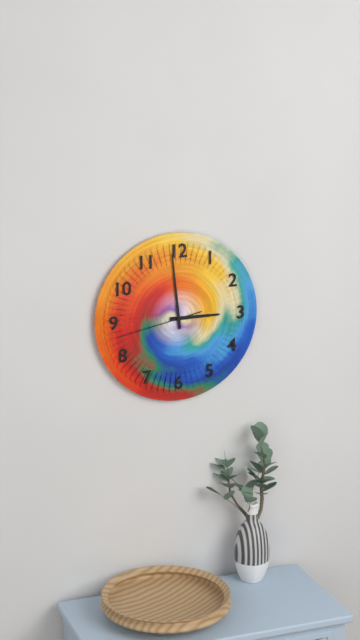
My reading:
**2:59:43**
